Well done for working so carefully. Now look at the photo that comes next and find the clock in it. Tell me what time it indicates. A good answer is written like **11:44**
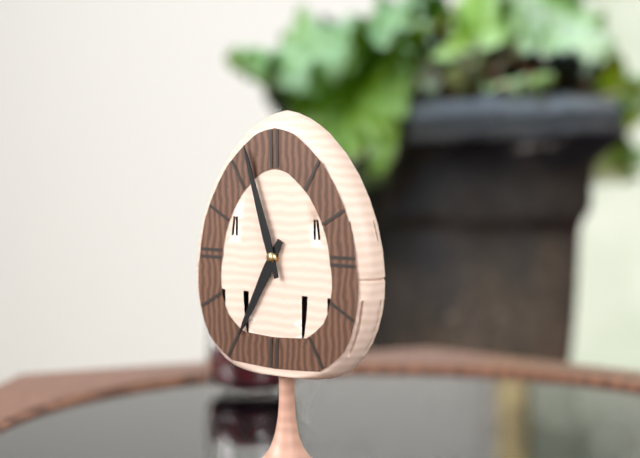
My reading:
**6:57**
